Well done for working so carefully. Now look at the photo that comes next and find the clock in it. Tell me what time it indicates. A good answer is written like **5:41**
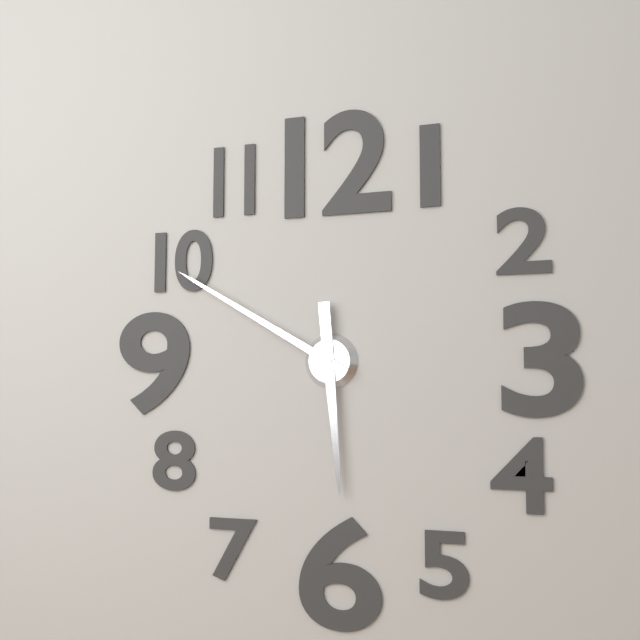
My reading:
**5:50**
